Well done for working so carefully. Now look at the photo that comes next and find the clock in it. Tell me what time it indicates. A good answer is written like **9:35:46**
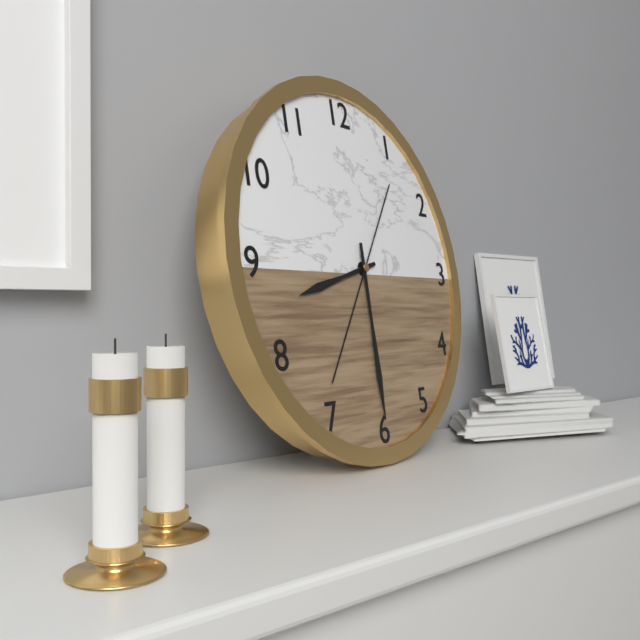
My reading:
**8:30:36**
